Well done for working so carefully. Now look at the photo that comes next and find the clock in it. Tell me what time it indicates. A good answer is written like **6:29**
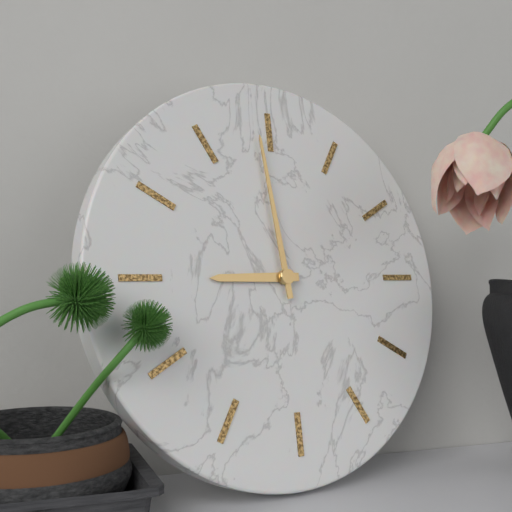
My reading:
**8:59**
